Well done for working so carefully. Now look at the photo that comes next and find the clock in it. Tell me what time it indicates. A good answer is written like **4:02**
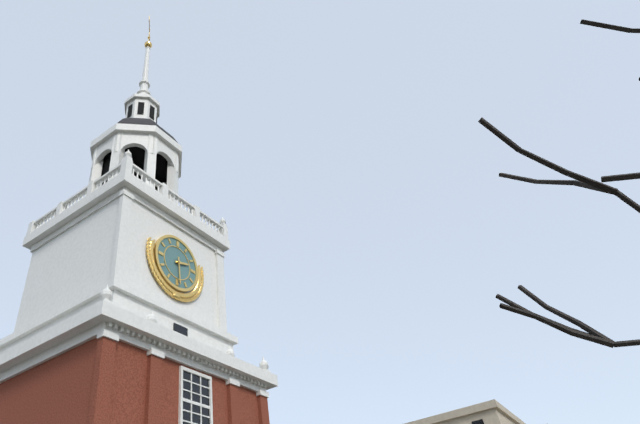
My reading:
**2:29**
